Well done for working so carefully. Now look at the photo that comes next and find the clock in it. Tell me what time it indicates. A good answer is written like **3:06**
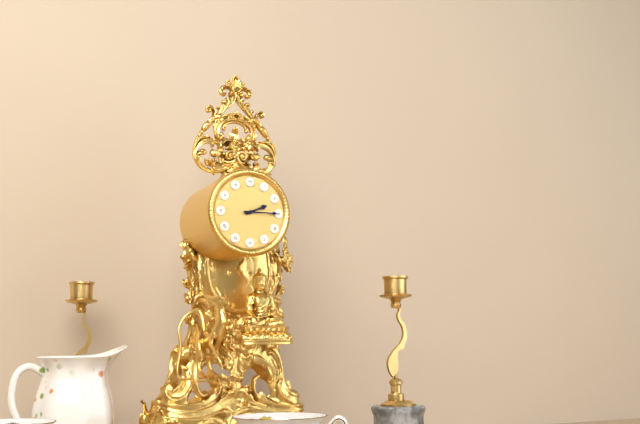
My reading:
**2:15**
